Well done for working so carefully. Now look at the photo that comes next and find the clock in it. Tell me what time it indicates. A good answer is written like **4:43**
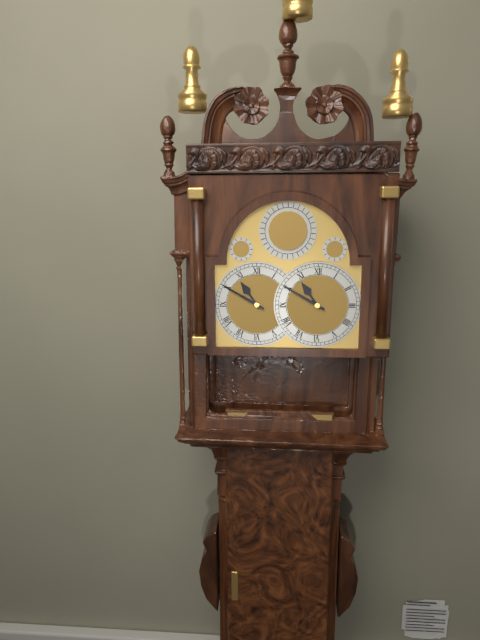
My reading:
**10:50**
